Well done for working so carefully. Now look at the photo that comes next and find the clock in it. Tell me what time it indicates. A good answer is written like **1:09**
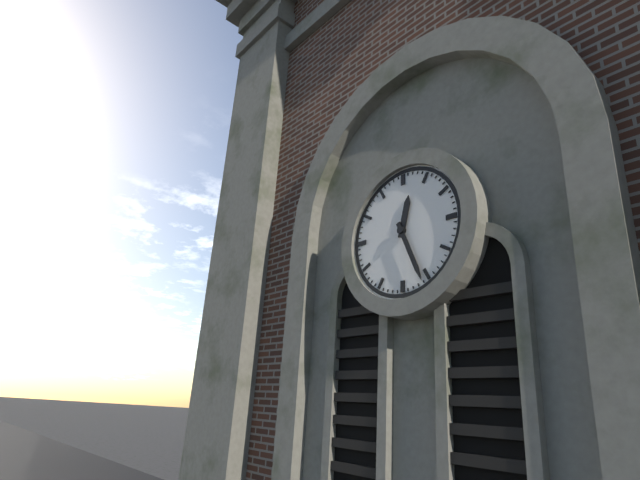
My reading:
**12:26**
